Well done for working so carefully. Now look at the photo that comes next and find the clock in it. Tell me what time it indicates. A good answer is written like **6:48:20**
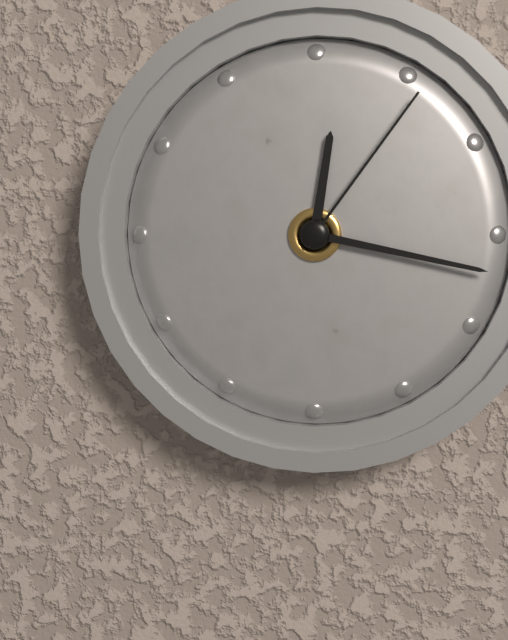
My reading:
**12:17:06**
